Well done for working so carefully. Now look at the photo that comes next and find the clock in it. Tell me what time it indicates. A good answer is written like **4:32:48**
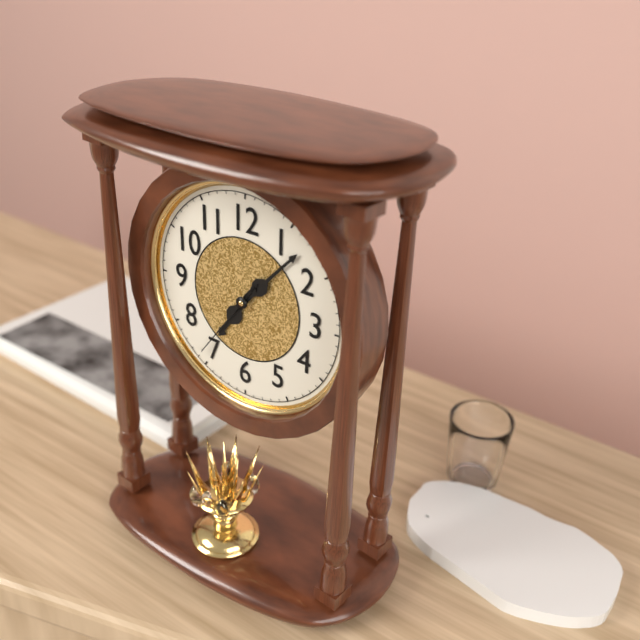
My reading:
**7:07:36**
